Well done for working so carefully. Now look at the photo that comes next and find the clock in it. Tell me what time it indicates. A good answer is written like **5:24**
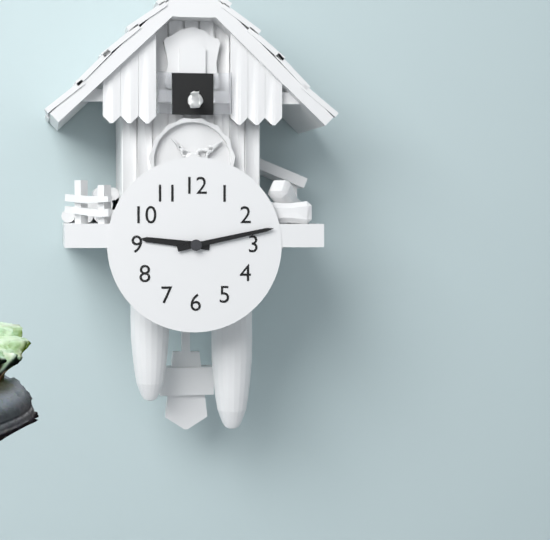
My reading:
**9:13**
